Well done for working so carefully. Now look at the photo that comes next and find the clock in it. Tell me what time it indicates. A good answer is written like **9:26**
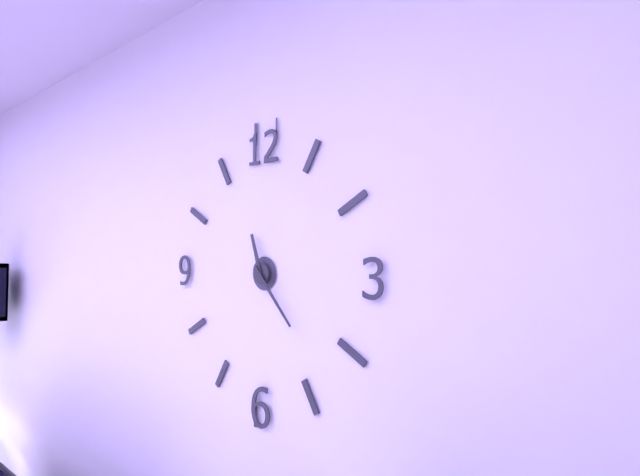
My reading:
**11:23**
